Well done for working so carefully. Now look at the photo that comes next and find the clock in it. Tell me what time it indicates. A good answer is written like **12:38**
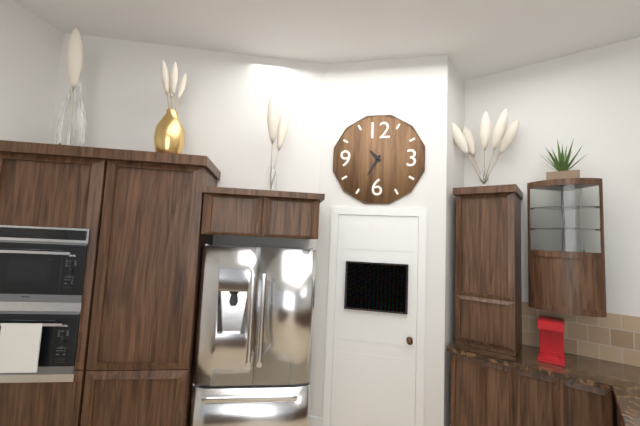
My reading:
**10:35**
